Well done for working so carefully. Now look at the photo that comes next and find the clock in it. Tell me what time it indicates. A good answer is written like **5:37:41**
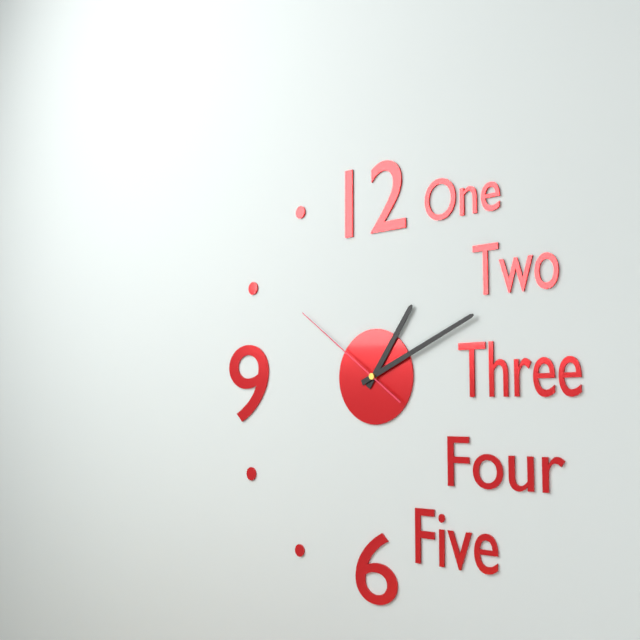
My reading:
**1:11:51**
